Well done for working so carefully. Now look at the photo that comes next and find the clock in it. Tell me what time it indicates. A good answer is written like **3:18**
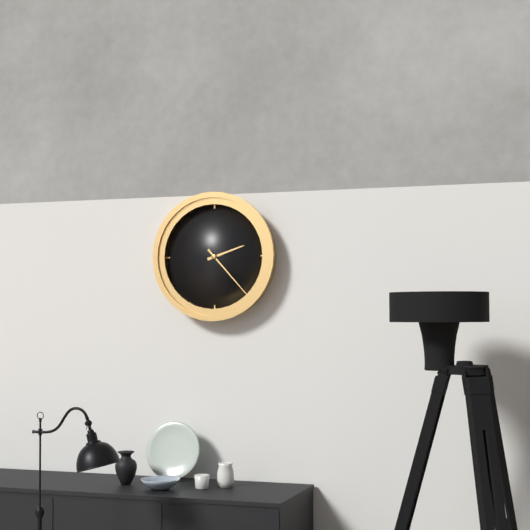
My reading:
**2:23**
